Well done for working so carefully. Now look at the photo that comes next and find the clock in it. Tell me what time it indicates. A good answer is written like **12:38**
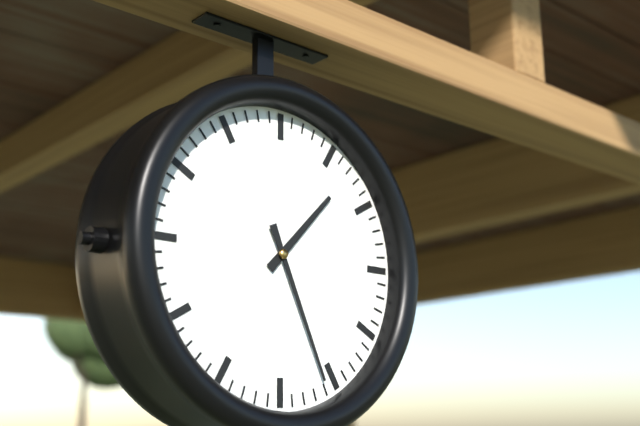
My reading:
**1:26**
